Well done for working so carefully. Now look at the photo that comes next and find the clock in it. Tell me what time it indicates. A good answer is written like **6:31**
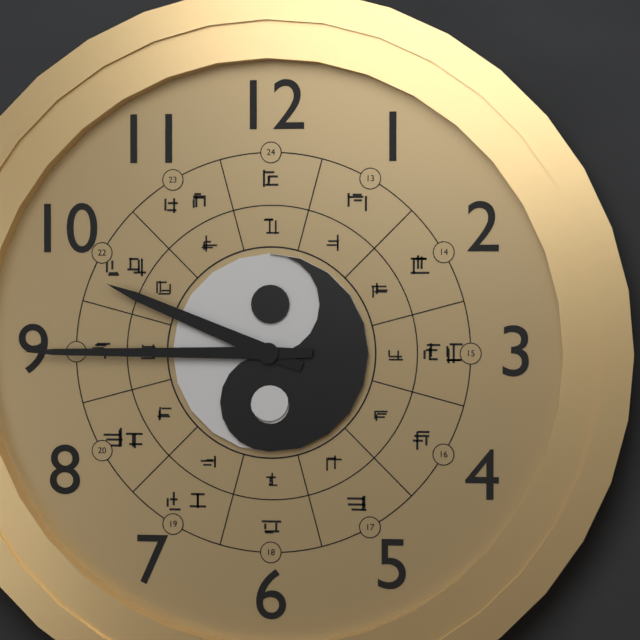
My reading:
**9:45**
